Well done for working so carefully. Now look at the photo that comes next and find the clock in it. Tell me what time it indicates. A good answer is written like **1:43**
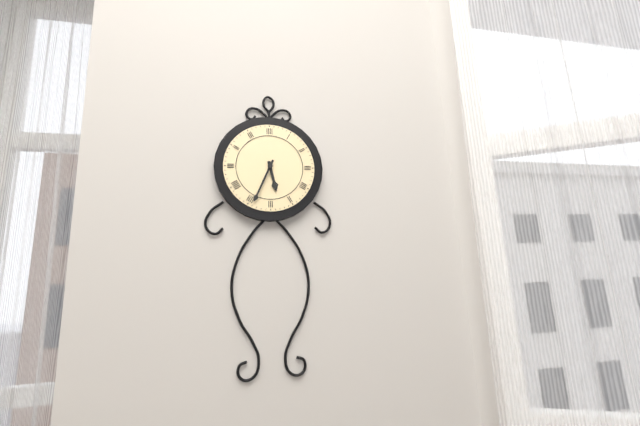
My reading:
**5:34**
